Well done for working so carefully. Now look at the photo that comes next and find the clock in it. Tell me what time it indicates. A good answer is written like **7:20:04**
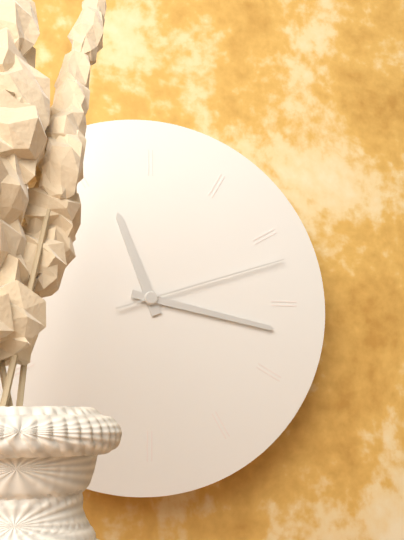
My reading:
**11:17:12**
